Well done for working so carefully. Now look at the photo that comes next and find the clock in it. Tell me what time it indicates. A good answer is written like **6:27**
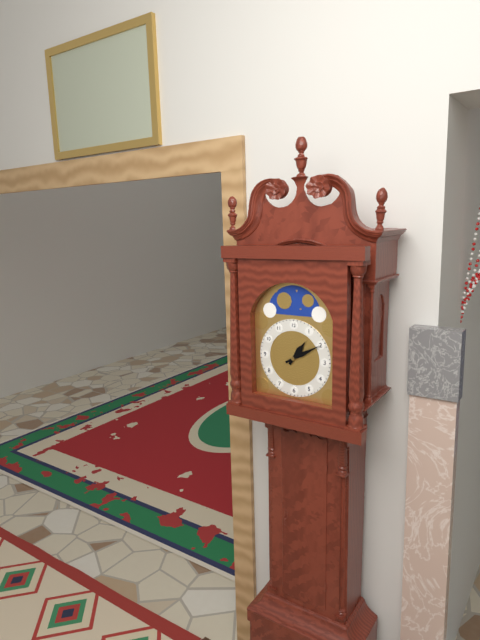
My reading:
**1:10**
